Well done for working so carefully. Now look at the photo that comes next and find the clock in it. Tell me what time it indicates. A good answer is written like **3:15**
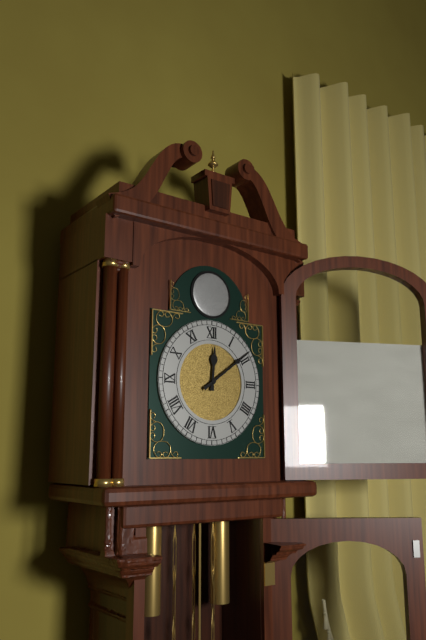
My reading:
**12:09**
